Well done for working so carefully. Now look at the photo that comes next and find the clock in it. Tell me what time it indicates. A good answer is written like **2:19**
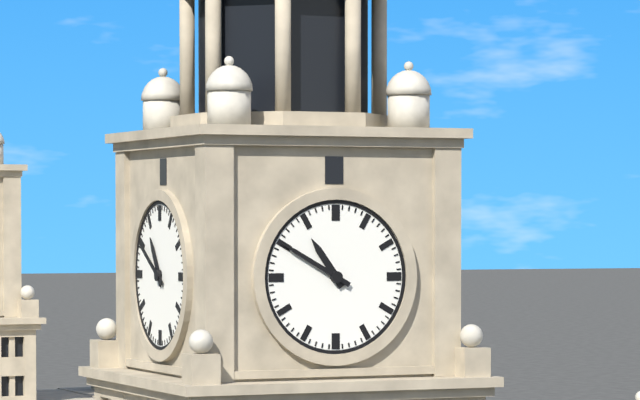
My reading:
**10:50**
